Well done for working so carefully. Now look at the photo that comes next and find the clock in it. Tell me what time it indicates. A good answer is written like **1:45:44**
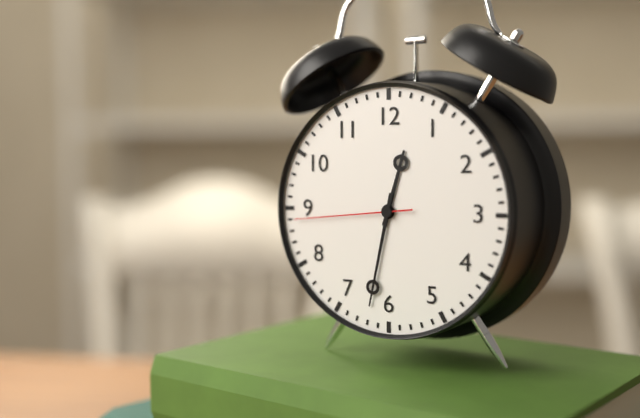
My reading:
**12:32:44**
